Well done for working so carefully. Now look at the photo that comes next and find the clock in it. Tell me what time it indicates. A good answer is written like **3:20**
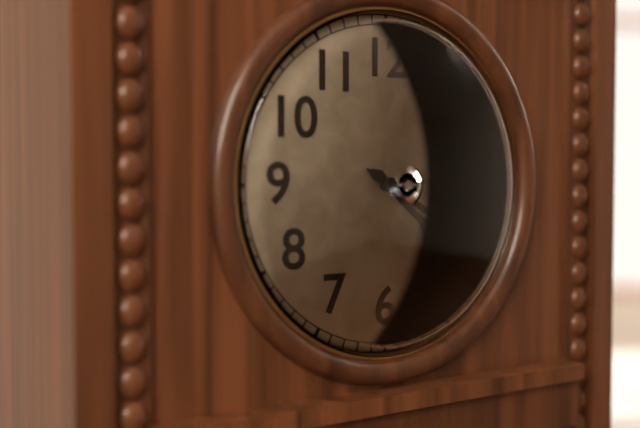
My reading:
**4:20**
